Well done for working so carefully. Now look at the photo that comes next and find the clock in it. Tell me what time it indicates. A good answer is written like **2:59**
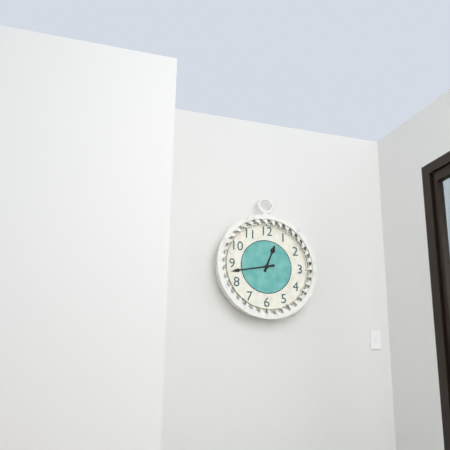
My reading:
**12:43**
